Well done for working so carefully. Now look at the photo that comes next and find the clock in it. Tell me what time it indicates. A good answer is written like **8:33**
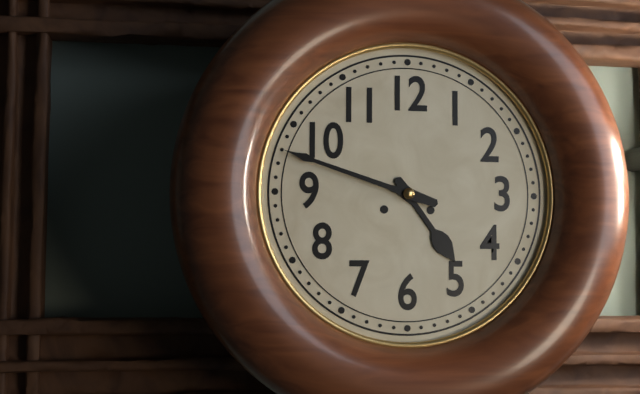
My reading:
**4:48**
